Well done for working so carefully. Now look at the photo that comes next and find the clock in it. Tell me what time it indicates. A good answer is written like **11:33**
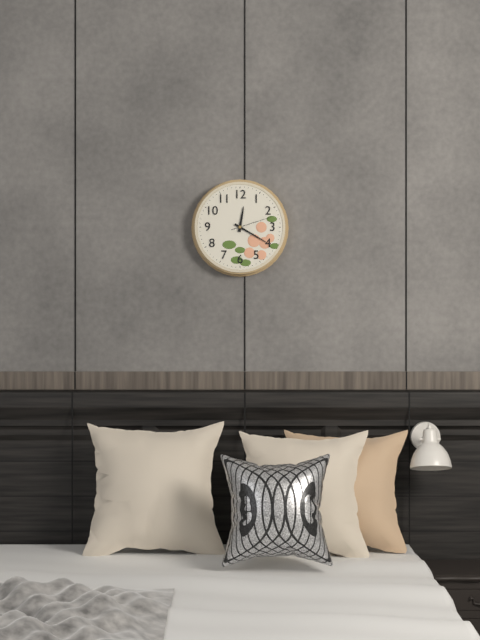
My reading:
**12:20**
